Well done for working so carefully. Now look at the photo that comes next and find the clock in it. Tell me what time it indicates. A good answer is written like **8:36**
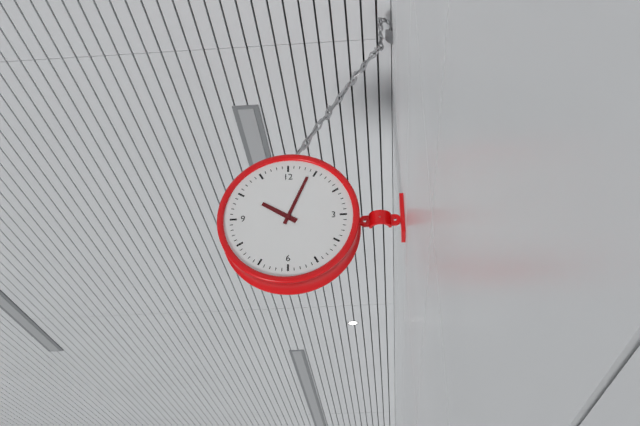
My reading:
**10:04**
